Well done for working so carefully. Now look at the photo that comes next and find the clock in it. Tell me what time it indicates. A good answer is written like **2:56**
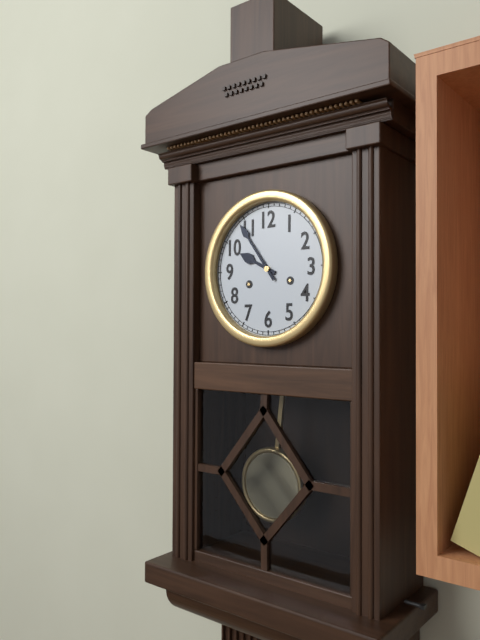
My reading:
**9:54**
